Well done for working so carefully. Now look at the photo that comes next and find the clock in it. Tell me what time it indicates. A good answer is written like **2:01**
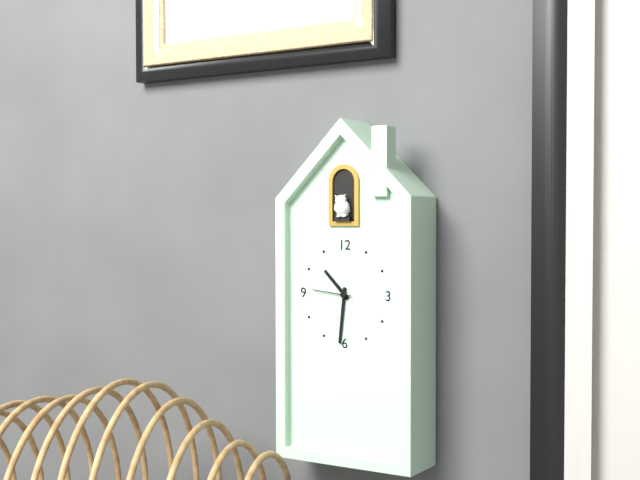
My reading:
**10:31**
